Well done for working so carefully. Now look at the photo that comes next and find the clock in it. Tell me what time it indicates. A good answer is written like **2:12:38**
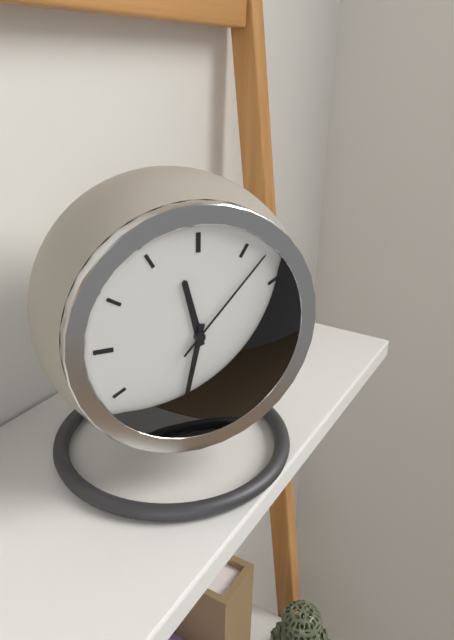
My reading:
**11:32:07**
